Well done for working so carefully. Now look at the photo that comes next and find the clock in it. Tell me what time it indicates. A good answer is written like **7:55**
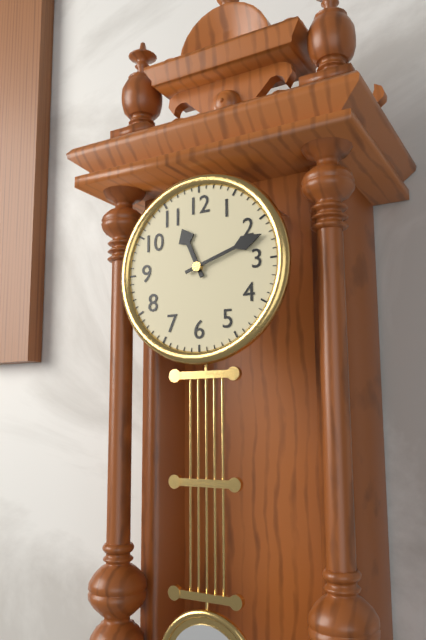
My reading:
**11:12**
